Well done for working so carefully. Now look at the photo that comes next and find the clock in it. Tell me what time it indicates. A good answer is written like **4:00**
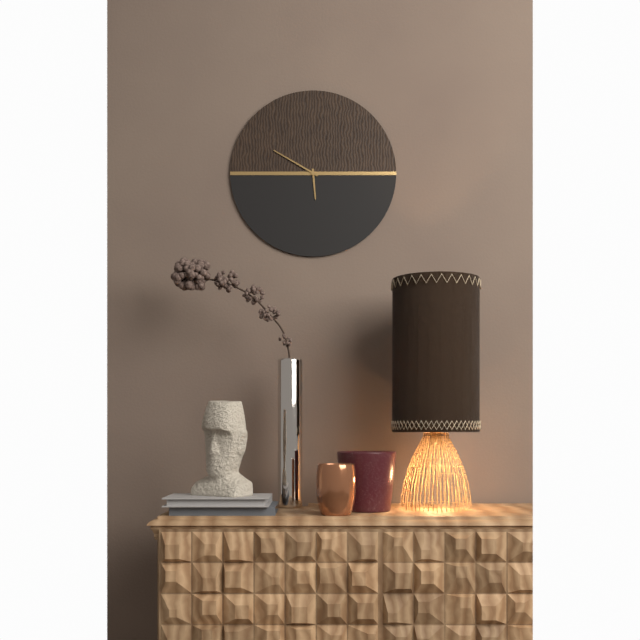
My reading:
**5:50**
